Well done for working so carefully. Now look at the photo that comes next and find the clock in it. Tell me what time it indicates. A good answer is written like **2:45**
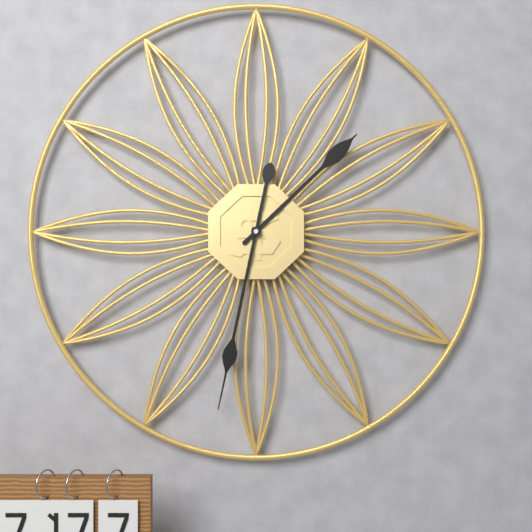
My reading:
**1:32**
